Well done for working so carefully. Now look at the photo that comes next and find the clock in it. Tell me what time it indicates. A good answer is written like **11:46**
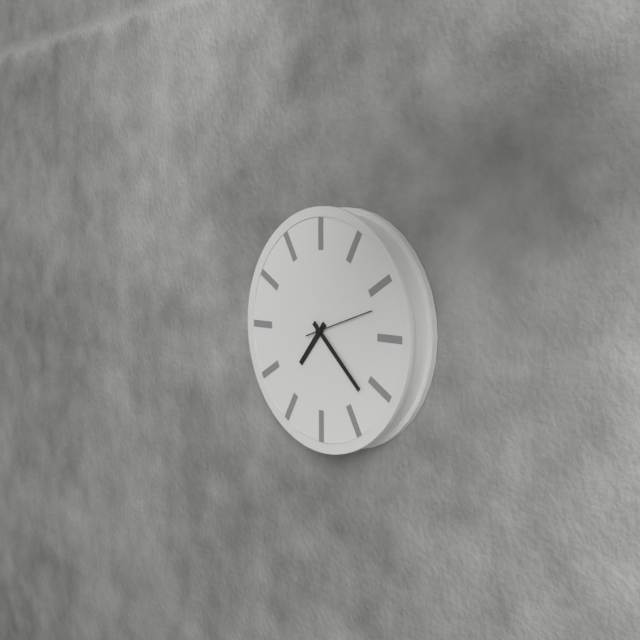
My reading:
**7:22**
